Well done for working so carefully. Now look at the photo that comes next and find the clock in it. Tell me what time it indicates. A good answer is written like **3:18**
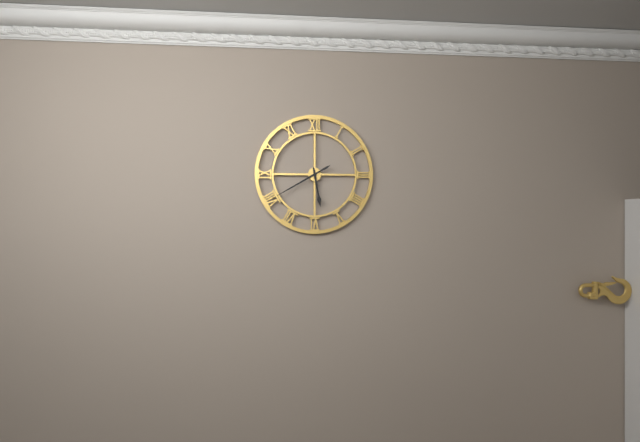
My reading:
**5:40**
